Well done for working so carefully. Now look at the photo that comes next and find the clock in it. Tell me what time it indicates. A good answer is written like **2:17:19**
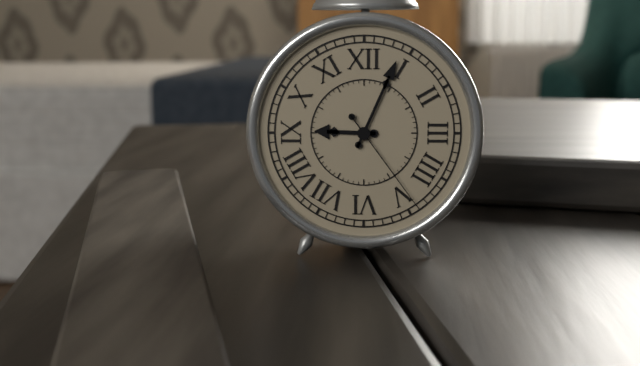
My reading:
**9:04:24**
